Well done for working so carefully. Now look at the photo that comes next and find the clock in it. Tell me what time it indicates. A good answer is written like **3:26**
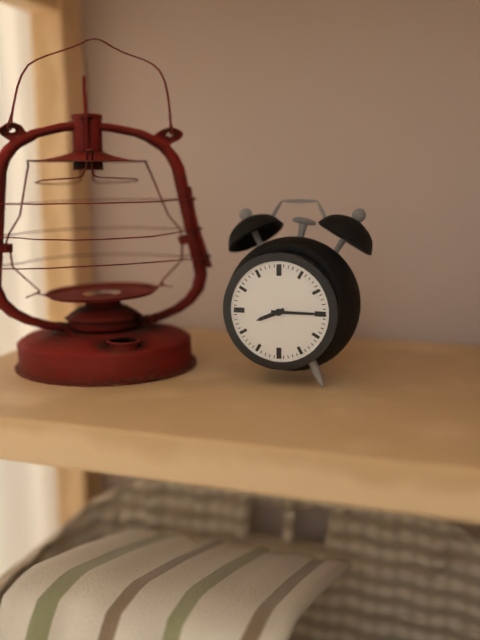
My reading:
**8:15**
